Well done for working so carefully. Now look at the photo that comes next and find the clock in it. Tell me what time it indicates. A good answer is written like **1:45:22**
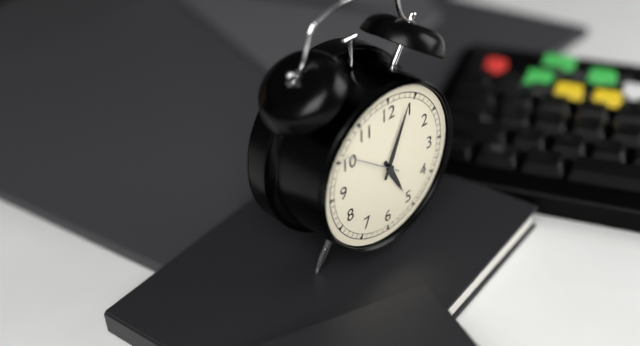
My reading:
**5:04:51**
